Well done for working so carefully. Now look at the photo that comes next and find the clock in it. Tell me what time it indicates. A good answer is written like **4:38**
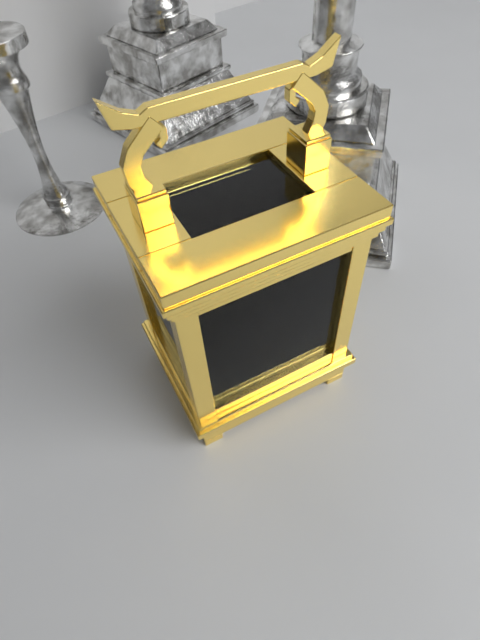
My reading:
**9:37**
